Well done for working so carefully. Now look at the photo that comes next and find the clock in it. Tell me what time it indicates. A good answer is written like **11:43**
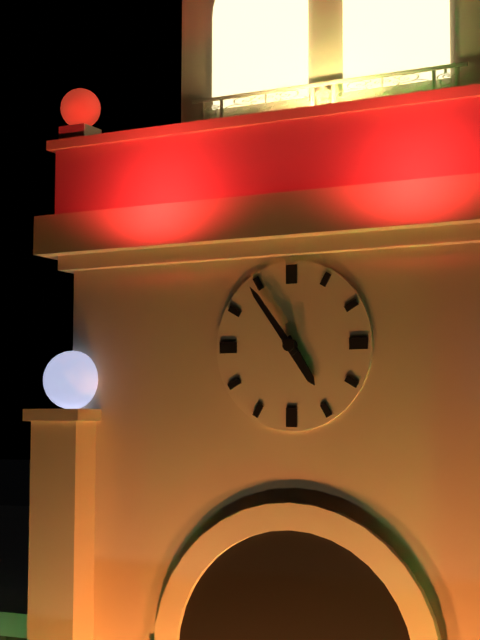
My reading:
**4:54**
